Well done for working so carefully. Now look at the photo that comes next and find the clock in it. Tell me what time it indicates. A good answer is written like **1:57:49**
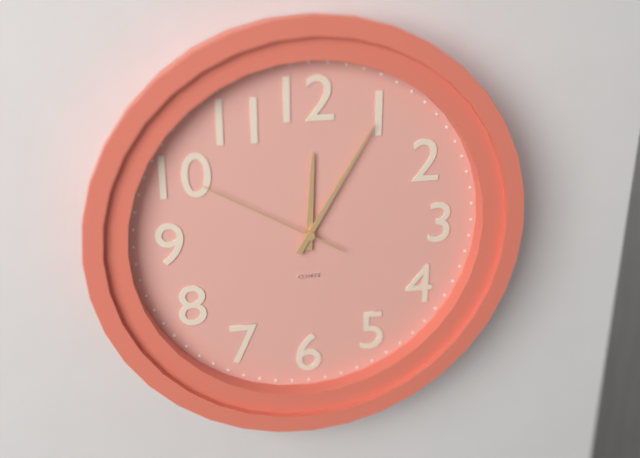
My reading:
**12:05:50**
